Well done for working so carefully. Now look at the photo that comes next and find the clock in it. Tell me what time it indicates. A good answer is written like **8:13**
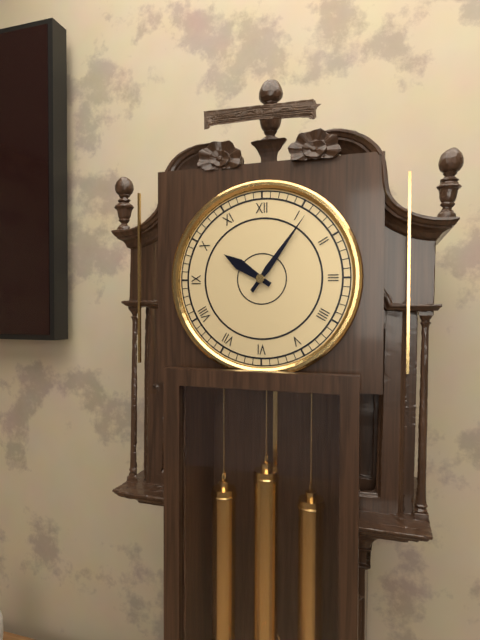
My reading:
**10:06**
